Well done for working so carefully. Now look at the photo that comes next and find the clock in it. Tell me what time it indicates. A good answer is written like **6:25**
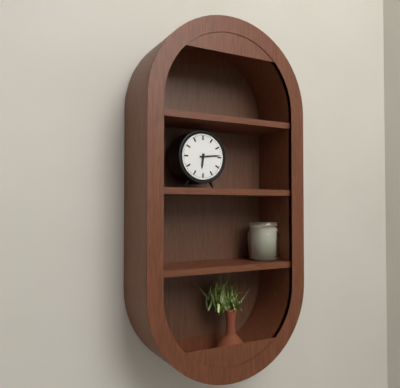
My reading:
**6:14**
